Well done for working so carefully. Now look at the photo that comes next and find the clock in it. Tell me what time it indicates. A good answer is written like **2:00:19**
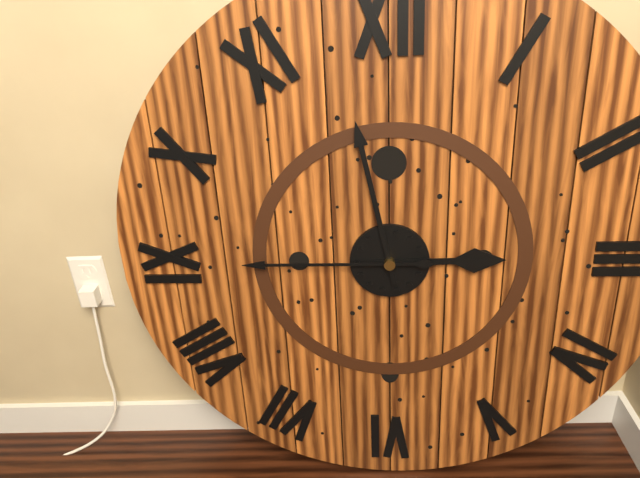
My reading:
**2:58:45**
